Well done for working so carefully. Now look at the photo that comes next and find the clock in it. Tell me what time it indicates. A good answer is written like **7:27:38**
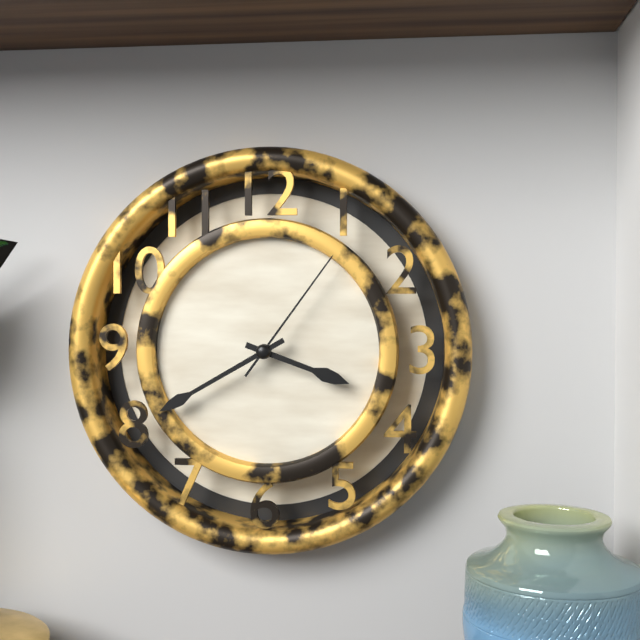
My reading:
**3:40:06**
